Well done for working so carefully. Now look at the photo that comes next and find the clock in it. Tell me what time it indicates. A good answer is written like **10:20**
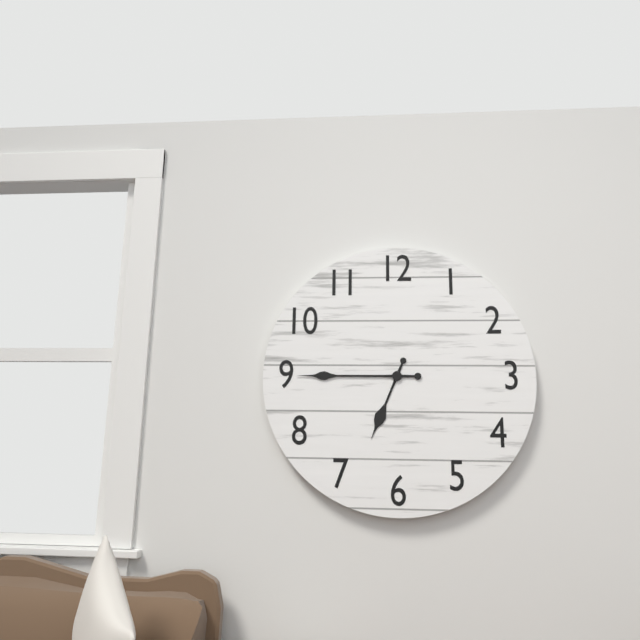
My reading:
**6:45**
